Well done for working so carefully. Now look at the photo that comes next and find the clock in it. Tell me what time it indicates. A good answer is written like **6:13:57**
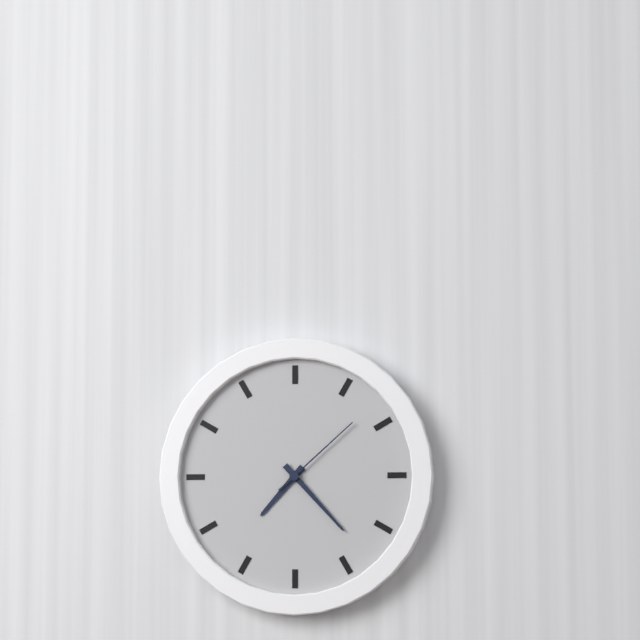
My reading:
**7:23:08**
